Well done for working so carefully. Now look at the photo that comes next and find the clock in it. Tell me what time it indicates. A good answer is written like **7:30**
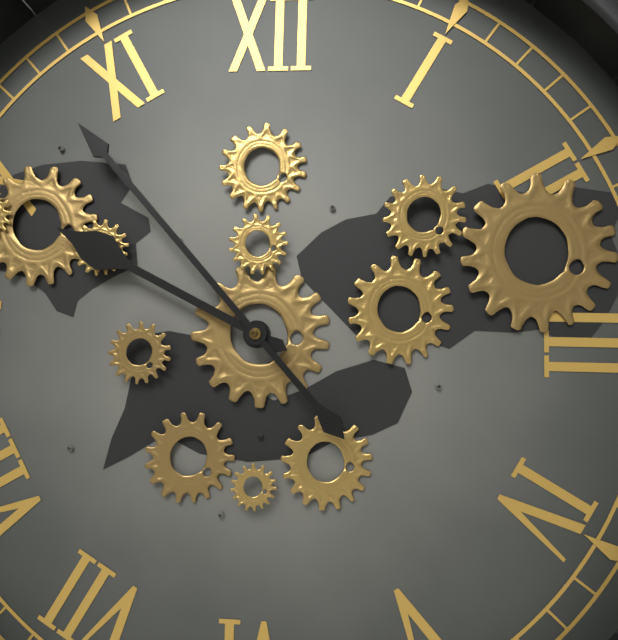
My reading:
**9:53**
